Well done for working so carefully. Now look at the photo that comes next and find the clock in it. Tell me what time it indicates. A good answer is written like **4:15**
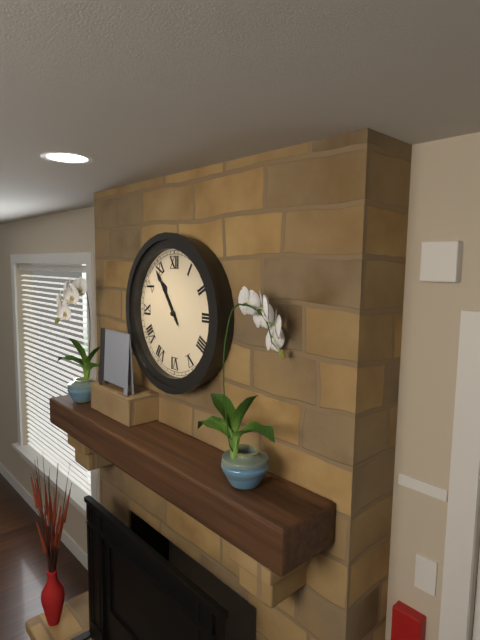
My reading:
**10:54**
